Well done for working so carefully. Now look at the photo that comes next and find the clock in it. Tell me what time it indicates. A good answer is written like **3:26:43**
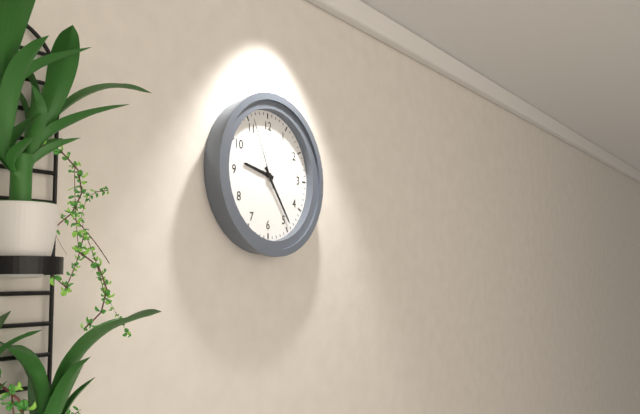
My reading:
**9:24:56**
